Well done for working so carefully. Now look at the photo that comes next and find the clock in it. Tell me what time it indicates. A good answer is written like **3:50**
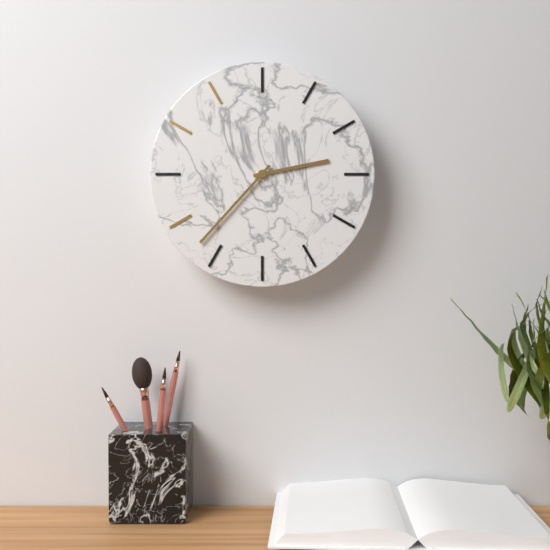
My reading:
**2:37**
